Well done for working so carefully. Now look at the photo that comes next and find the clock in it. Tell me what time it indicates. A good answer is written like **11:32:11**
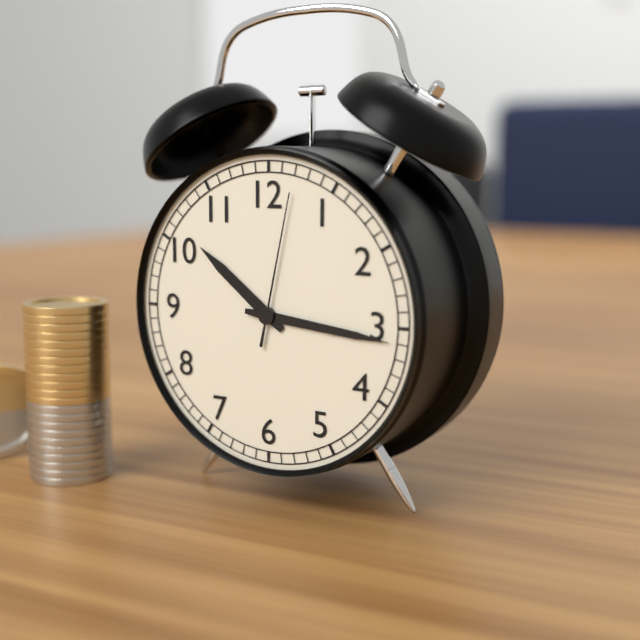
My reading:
**10:16:02**
